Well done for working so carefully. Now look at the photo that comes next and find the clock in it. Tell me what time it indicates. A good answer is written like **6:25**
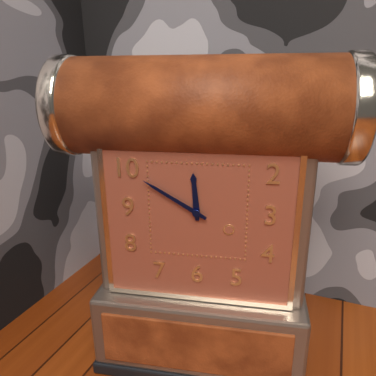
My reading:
**11:50**
